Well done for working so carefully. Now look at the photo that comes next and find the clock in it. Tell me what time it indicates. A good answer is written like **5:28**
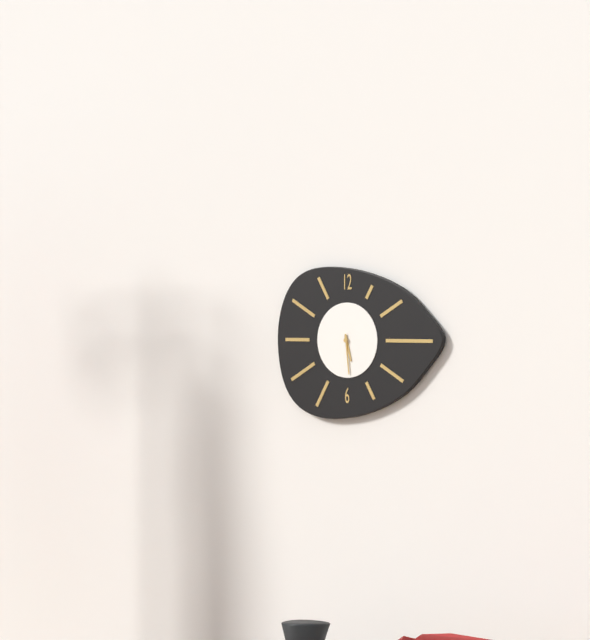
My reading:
**5:29**
